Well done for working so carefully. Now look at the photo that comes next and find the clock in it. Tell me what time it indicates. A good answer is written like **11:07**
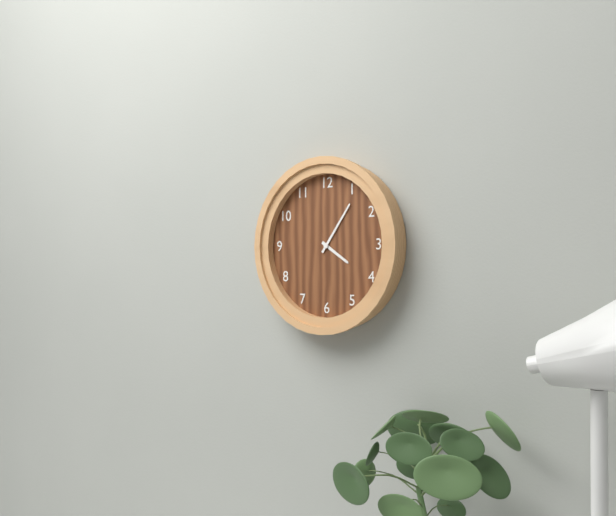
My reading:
**4:06**
